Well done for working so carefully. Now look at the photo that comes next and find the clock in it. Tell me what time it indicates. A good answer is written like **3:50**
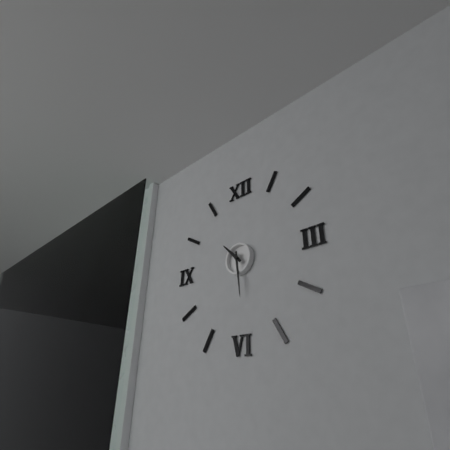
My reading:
**10:29**
